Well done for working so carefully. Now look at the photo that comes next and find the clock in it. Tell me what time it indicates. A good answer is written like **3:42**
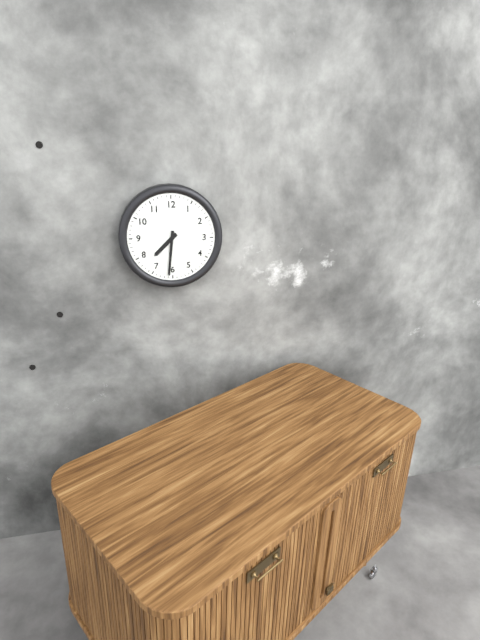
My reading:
**7:31**
